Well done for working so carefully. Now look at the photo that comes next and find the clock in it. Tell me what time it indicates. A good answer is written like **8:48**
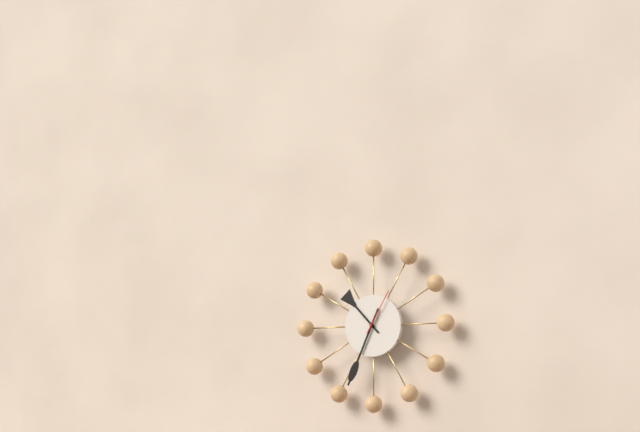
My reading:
**10:34**
